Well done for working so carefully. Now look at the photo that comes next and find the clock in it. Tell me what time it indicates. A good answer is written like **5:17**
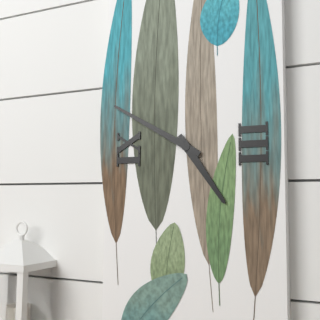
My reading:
**4:50**
